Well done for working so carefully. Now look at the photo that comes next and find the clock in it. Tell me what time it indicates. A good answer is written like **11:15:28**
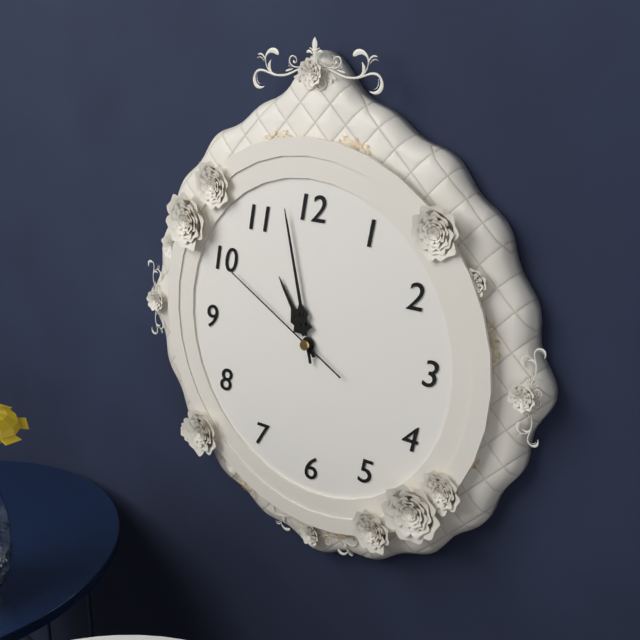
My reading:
**10:58:50**
